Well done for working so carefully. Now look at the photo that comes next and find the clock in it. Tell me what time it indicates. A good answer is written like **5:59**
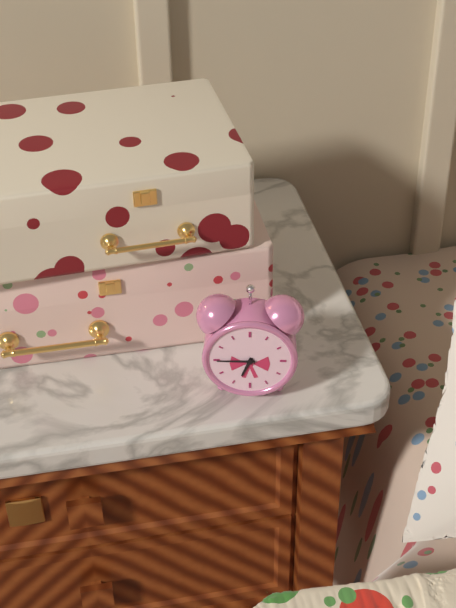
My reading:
**6:45**
